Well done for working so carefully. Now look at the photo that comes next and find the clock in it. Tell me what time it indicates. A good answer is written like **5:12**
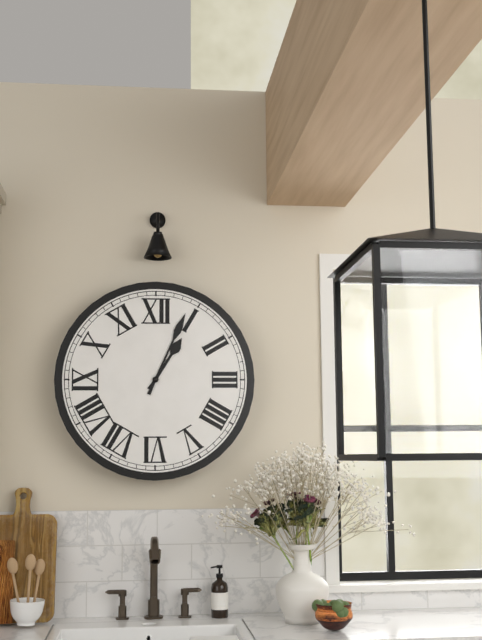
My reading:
**1:04**
